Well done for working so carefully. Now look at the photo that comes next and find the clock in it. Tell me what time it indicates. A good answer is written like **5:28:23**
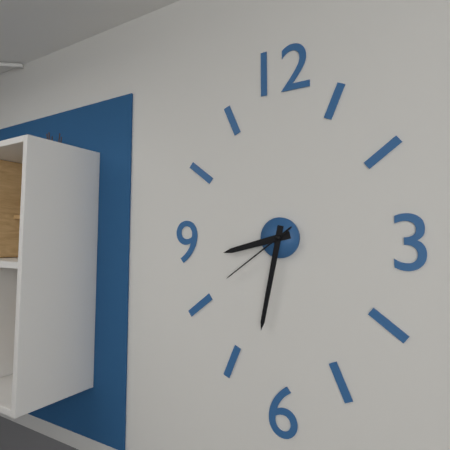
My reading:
**8:32:39**
